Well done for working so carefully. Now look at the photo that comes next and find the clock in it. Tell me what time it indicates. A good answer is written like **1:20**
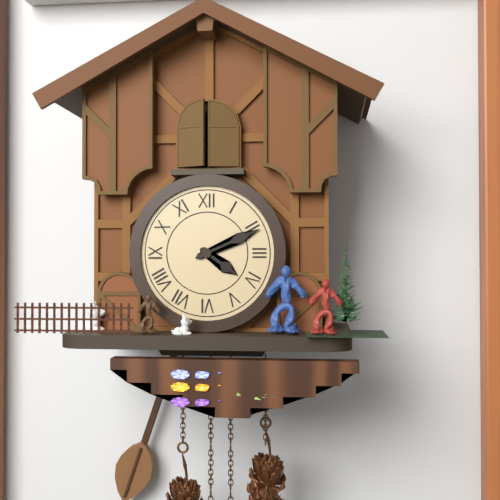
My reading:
**4:11**
